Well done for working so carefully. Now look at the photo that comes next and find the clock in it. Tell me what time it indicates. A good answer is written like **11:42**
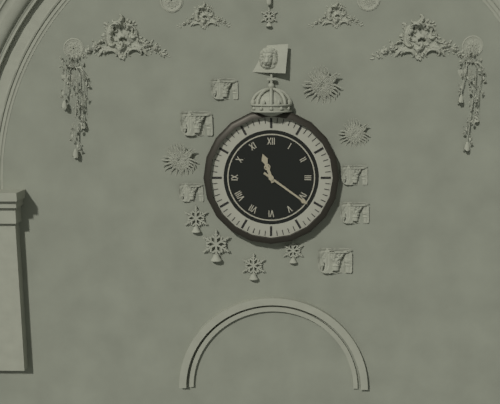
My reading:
**11:21**
